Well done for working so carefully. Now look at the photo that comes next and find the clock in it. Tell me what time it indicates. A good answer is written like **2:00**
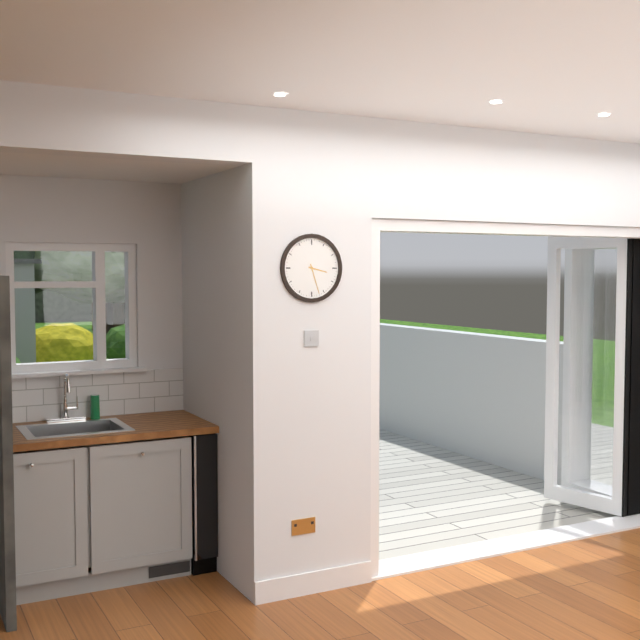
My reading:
**3:27**
